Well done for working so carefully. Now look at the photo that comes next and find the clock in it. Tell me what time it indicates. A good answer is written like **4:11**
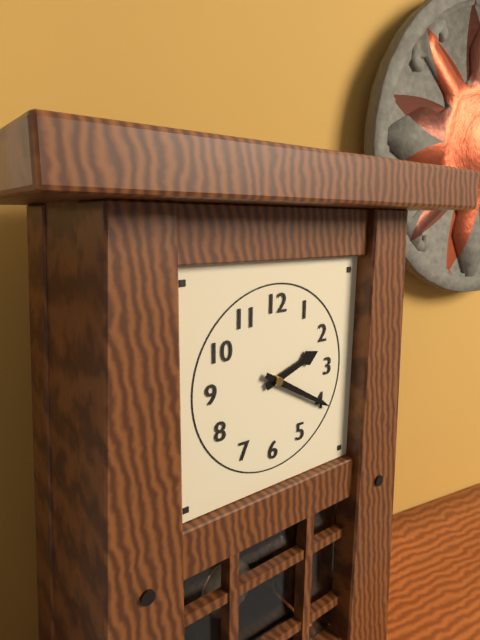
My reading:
**2:20**
